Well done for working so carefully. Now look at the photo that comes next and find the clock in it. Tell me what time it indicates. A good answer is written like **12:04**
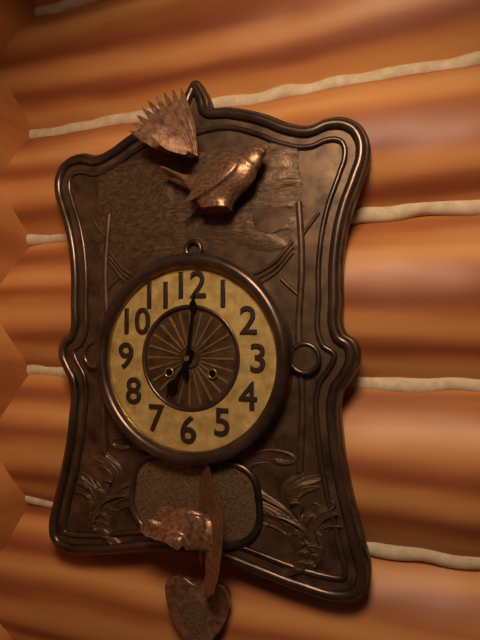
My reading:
**7:01**
